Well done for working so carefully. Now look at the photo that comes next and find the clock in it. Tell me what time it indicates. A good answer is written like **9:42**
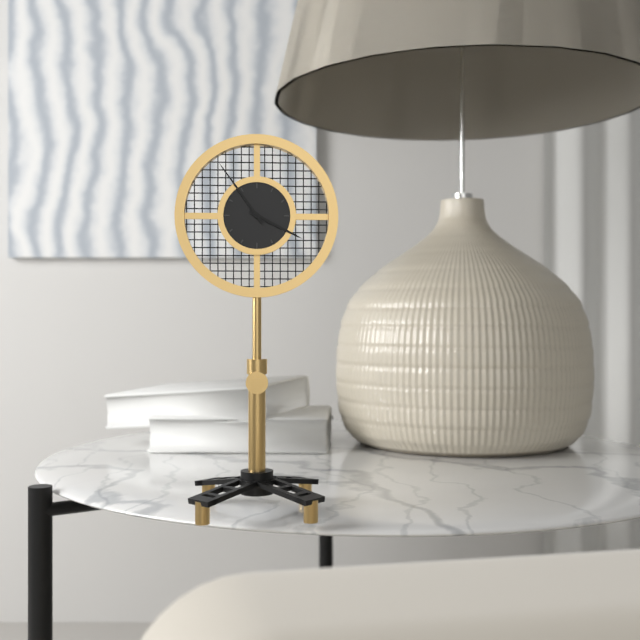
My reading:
**3:54**
